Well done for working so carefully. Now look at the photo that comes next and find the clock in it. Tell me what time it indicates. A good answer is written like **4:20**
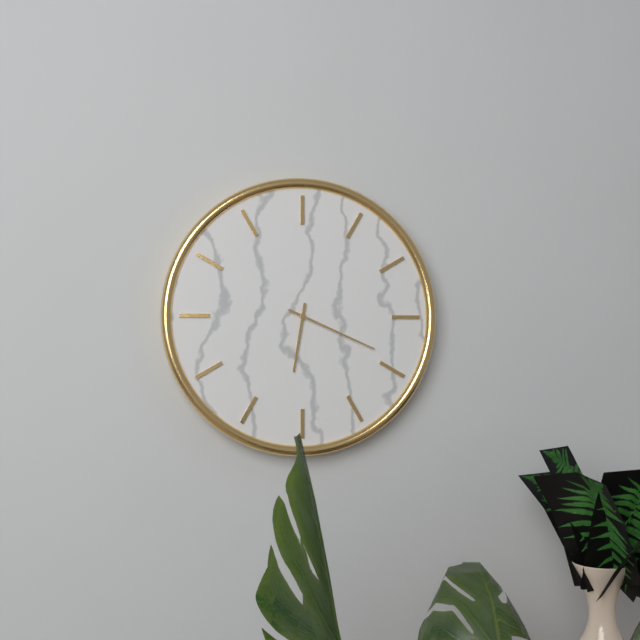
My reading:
**6:19**
